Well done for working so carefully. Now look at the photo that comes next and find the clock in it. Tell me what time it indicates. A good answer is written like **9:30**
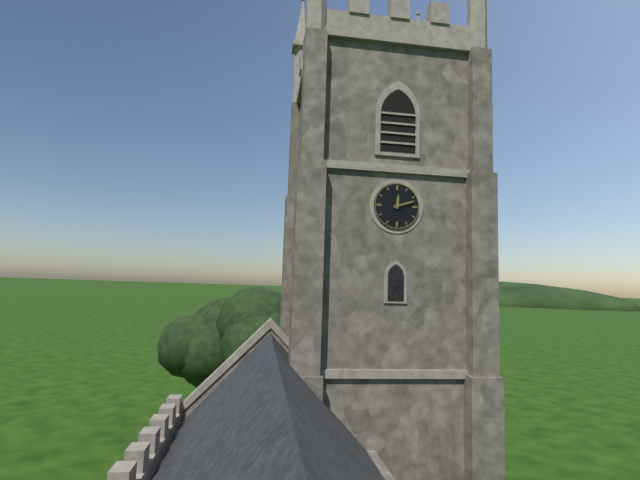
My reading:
**12:12**
